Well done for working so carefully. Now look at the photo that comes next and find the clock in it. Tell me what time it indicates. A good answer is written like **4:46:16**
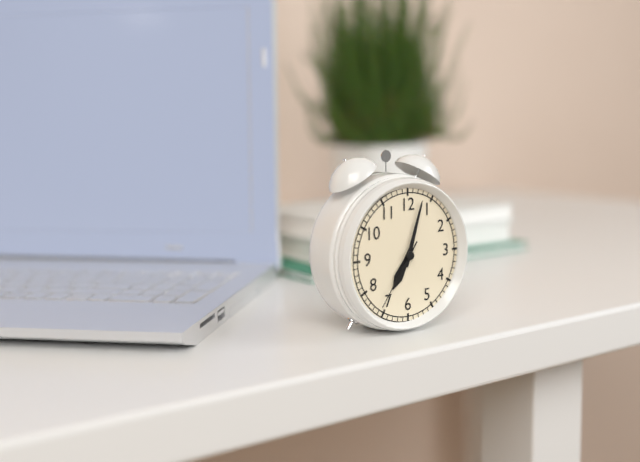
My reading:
**7:03:36**
